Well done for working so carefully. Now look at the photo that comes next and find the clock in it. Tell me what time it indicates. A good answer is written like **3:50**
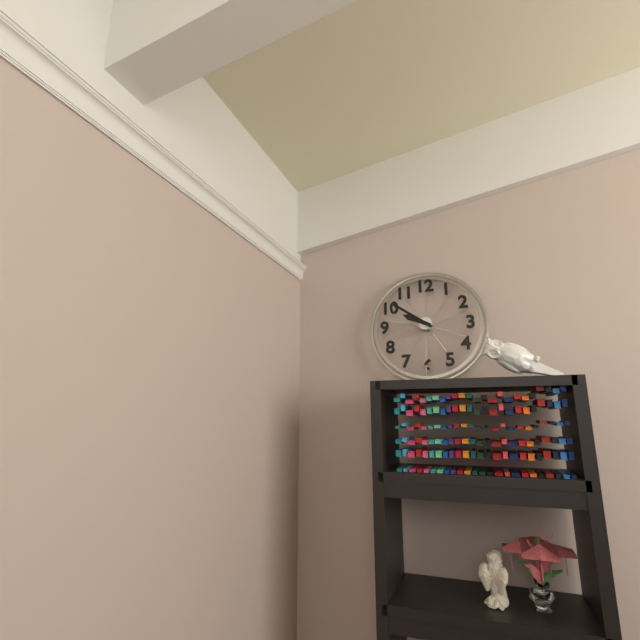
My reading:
**9:51**
